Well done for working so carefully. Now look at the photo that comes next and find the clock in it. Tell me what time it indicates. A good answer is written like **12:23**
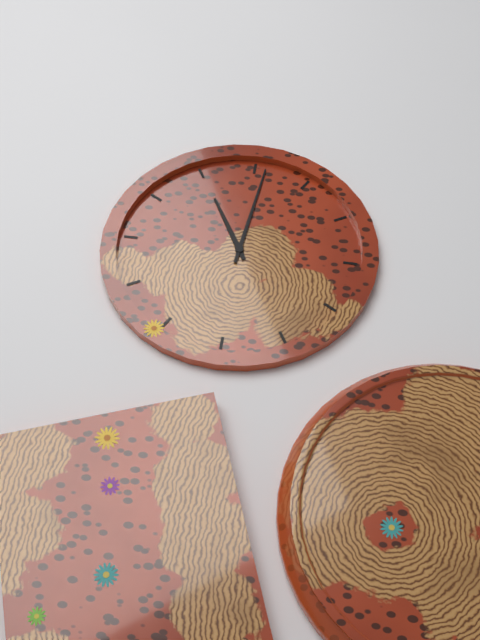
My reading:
**11:01**
